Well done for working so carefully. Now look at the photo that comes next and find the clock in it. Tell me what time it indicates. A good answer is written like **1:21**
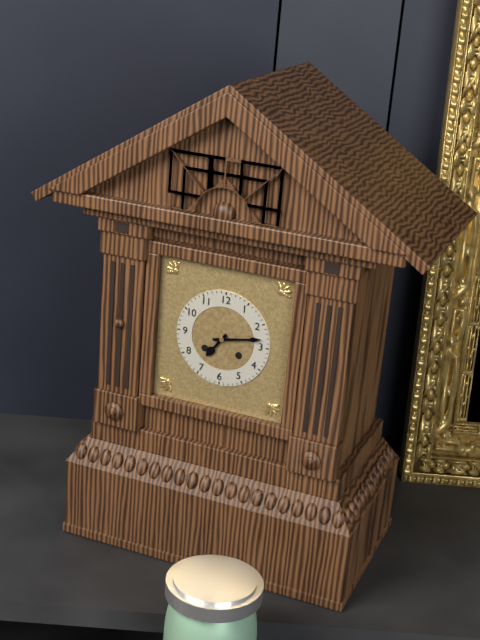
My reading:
**7:13**
